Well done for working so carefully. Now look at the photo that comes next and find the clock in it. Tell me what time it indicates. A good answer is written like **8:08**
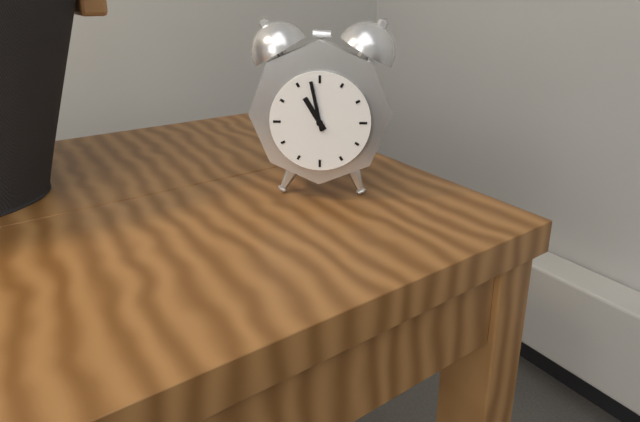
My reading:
**10:58**
